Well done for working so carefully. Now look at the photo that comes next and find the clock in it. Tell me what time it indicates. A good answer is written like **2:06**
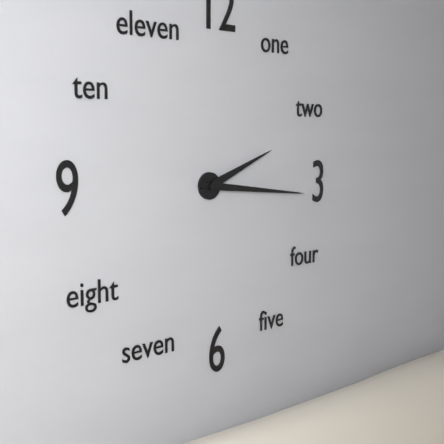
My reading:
**2:16**
